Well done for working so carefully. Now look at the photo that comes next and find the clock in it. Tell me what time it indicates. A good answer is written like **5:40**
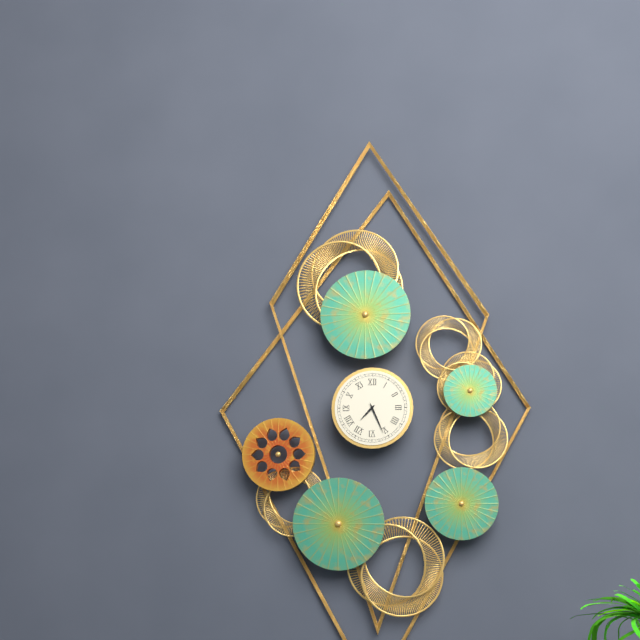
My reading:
**7:26**
